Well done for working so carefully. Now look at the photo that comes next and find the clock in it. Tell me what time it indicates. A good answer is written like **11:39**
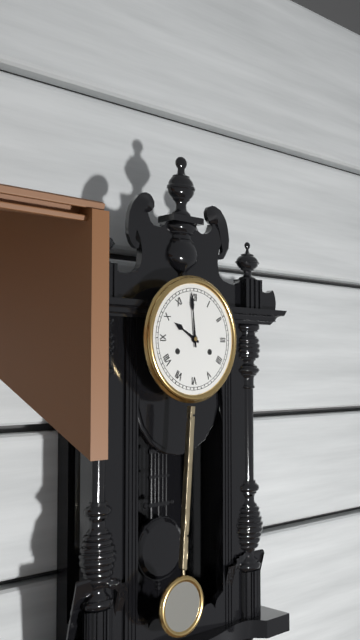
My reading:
**9:59**
